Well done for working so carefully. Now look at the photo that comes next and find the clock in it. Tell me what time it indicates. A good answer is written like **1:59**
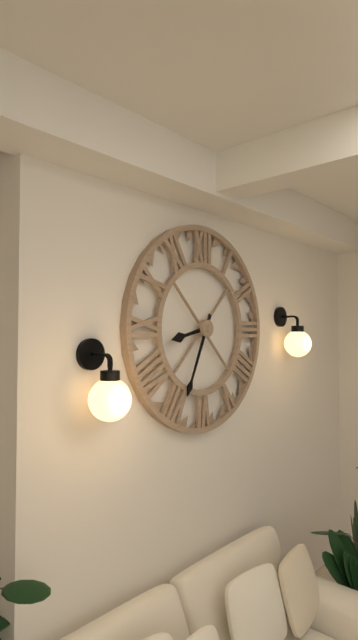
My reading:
**8:34**
